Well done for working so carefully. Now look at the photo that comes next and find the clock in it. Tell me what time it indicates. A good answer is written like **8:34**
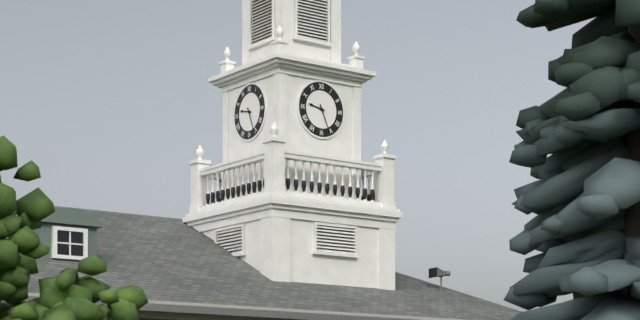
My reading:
**9:26**
